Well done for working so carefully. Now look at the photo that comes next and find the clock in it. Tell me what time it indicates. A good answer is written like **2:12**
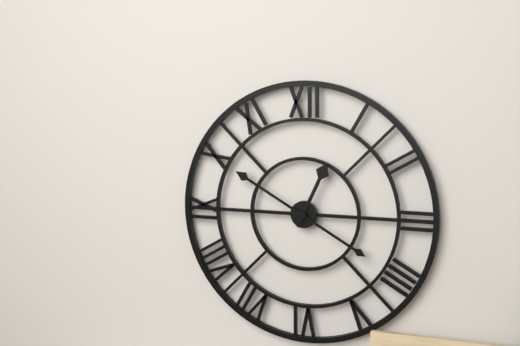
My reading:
**12:50**
